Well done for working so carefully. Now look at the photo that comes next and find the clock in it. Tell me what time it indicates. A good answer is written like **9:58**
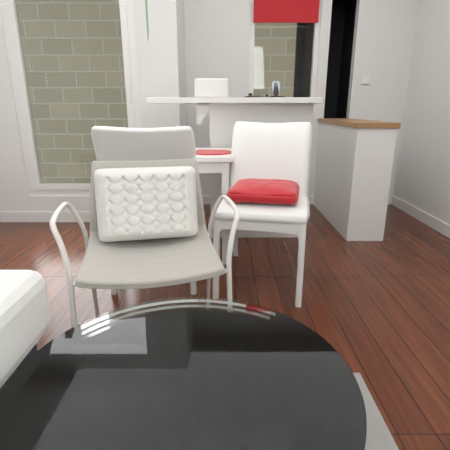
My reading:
**8:48**
